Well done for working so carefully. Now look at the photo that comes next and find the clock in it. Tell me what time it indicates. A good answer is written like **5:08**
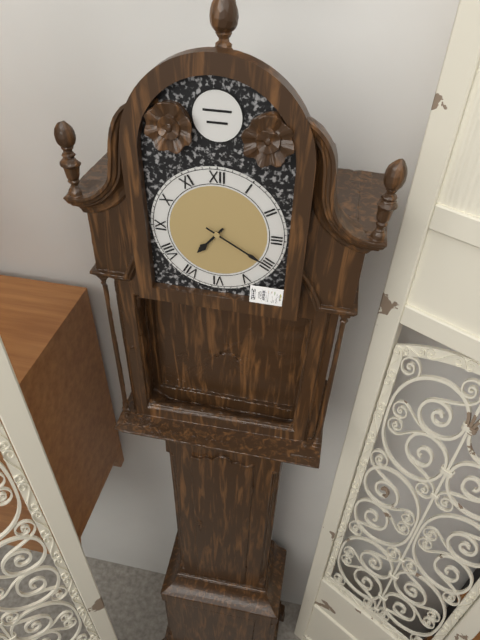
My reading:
**7:20**
